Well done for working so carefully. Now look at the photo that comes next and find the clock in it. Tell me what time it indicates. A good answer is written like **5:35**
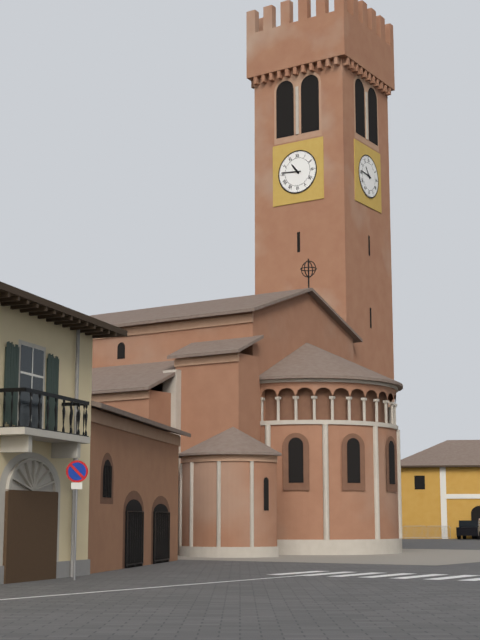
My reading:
**10:46**
